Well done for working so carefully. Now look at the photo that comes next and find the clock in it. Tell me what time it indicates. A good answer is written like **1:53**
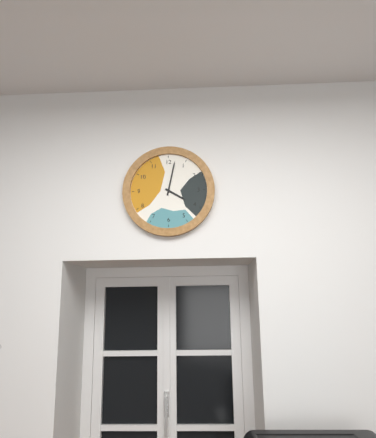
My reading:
**4:02**
